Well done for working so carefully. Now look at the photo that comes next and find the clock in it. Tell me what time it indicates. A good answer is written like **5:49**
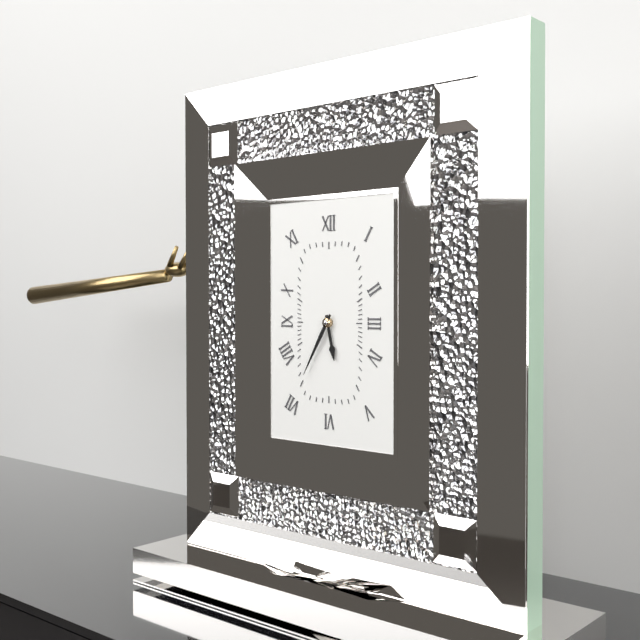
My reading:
**5:35**
